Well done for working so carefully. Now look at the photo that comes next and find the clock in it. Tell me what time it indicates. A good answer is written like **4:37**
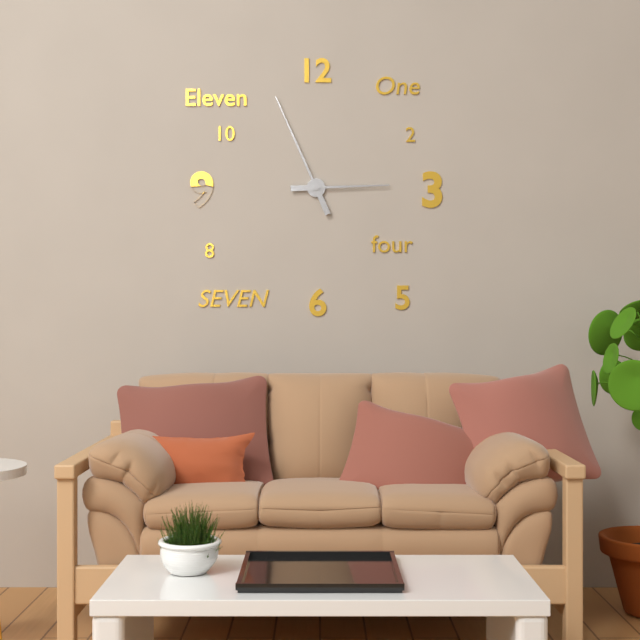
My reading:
**2:56**
